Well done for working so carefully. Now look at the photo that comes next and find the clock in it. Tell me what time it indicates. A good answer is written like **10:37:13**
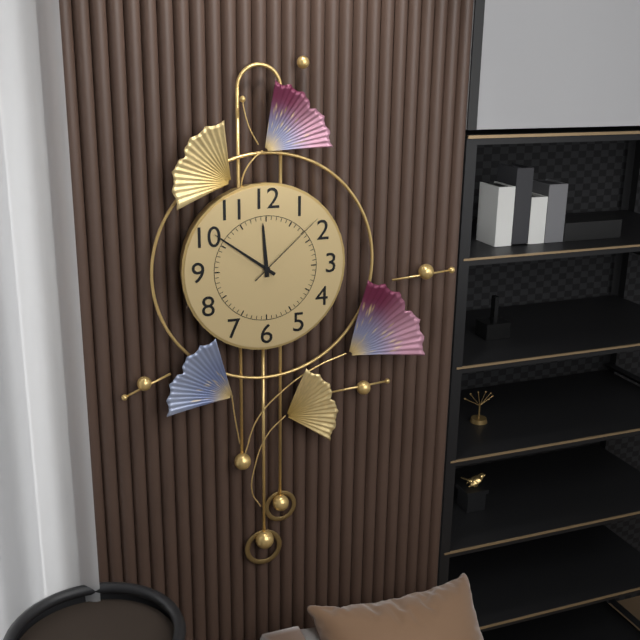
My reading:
**11:51:08**
